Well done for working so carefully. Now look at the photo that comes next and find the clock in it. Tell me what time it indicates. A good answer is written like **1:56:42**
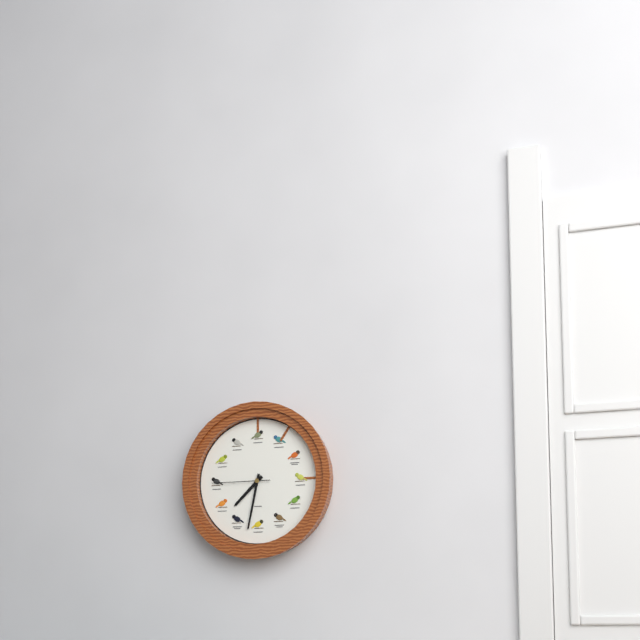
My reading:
**7:32:45**
